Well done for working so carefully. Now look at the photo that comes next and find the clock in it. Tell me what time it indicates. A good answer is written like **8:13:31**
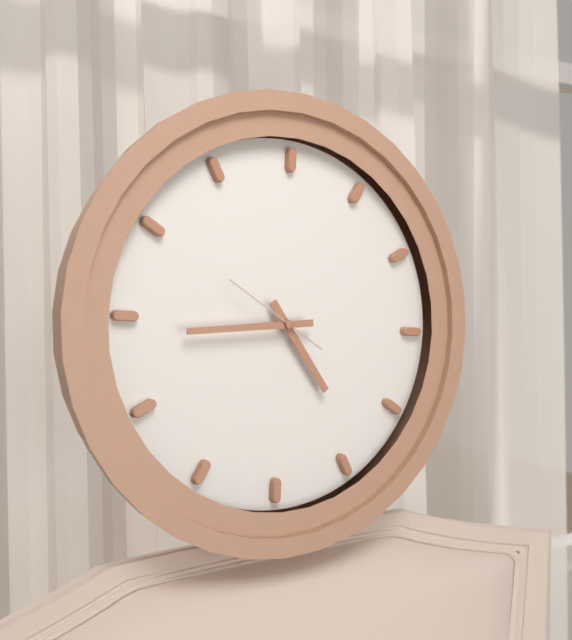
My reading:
**4:44:50**
